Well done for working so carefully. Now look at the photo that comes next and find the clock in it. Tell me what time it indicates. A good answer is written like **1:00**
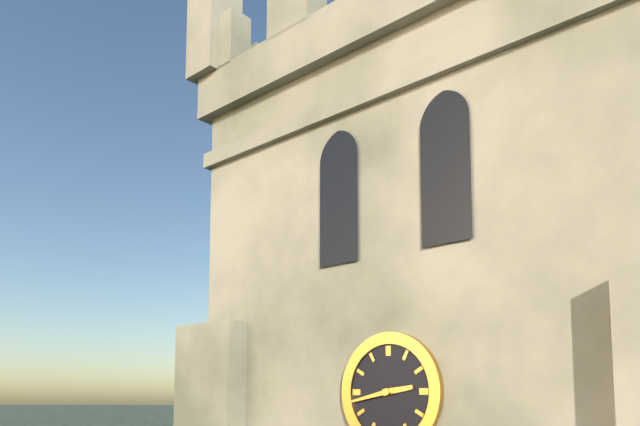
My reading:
**2:43**
